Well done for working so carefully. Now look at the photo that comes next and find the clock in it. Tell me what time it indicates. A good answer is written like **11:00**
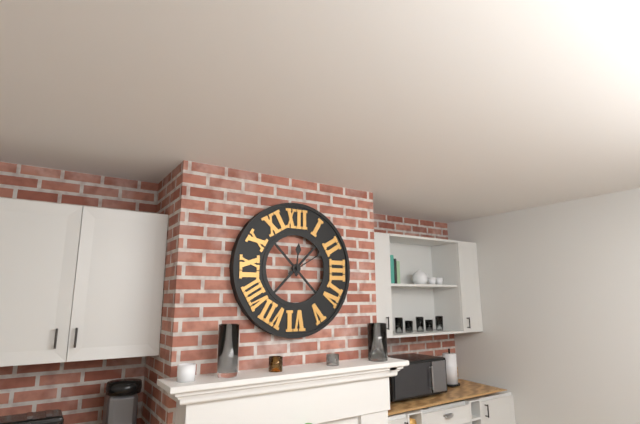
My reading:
**12:10**
